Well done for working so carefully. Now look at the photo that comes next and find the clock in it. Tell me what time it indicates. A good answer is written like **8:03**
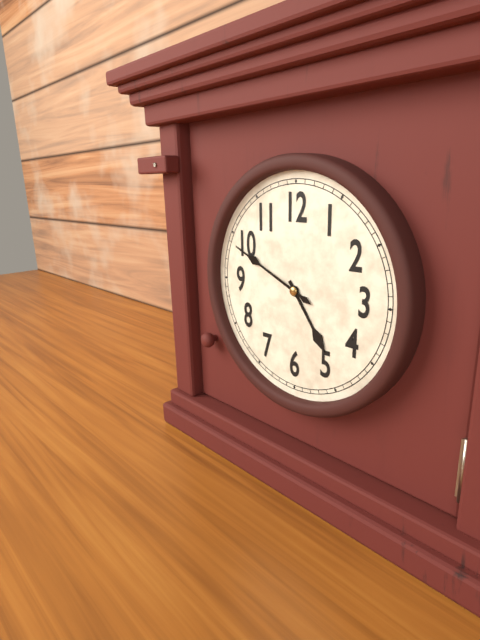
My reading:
**4:49**
